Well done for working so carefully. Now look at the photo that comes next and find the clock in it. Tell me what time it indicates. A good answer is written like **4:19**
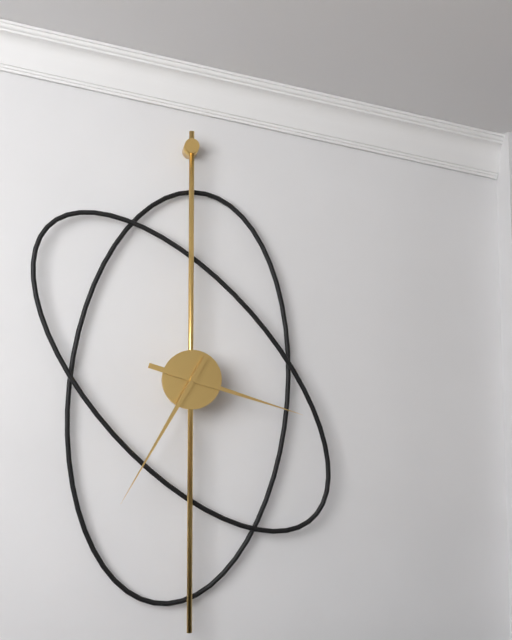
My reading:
**3:35**
